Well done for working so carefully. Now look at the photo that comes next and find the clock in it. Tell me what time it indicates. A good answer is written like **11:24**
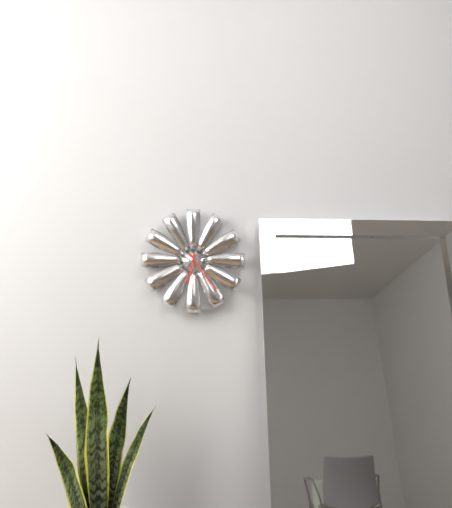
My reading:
**6:24**
